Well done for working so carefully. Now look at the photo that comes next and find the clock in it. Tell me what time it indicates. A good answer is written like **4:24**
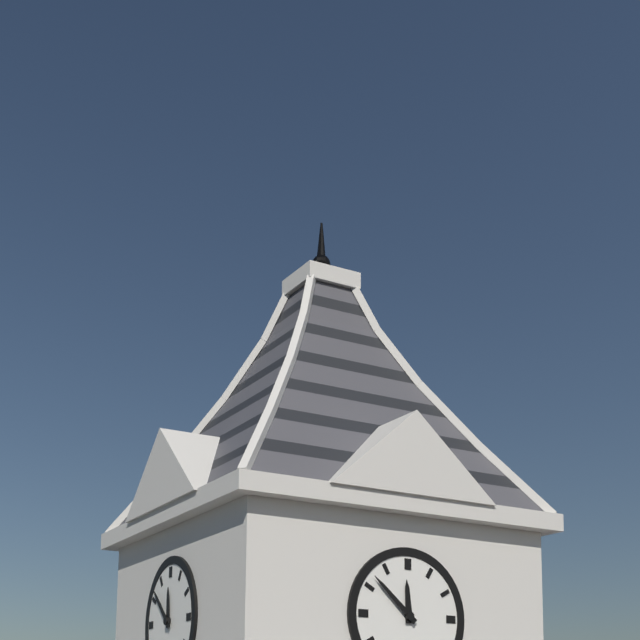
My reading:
**11:52**
